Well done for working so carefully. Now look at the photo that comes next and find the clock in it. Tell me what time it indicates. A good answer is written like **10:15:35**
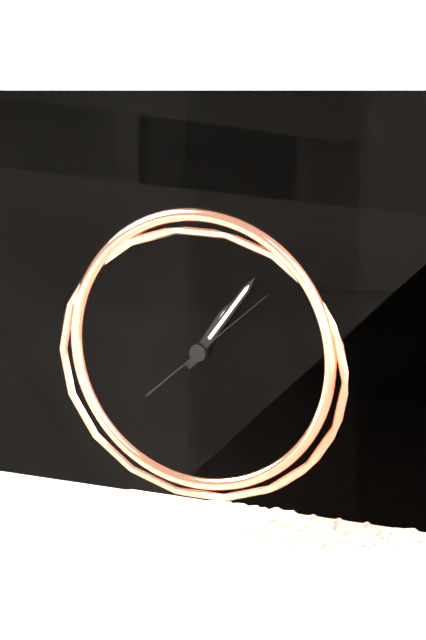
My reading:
**1:06:08**
